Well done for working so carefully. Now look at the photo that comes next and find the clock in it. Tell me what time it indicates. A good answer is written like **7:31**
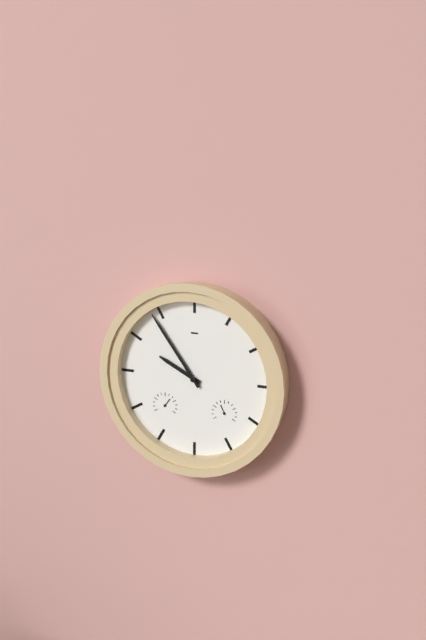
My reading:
**9:54**
